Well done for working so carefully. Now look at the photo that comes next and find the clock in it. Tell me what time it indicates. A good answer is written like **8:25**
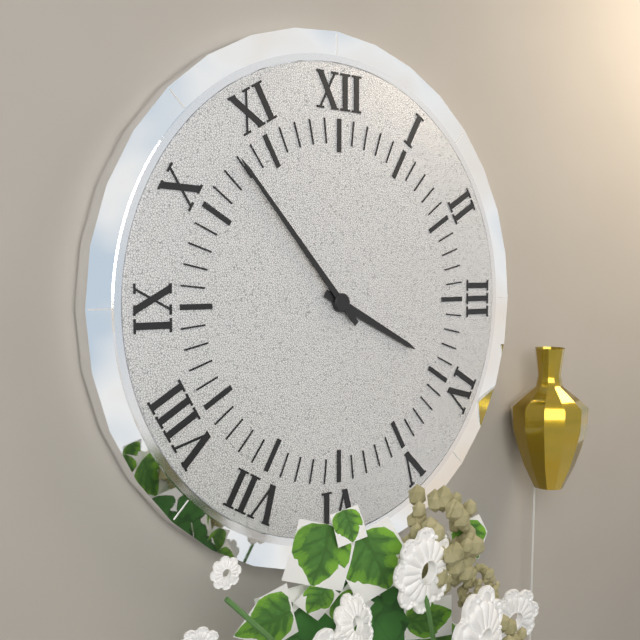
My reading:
**3:53**
